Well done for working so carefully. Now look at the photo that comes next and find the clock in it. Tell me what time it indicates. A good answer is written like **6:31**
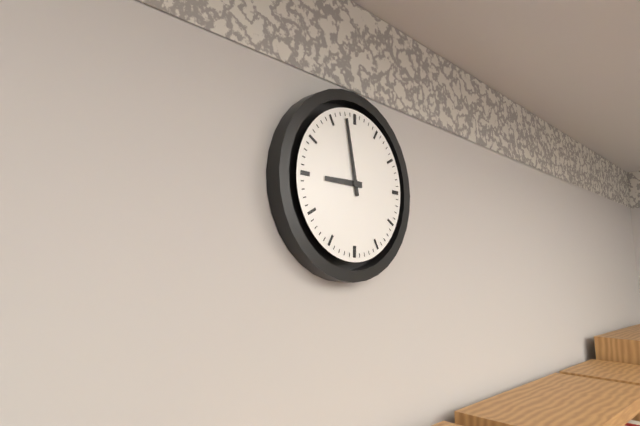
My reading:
**8:58**
